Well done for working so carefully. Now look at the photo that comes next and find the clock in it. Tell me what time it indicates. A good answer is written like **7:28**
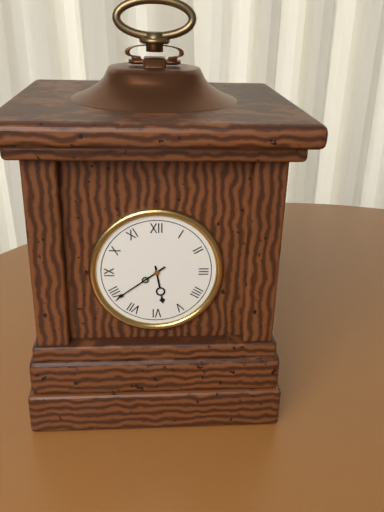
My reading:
**5:39**
